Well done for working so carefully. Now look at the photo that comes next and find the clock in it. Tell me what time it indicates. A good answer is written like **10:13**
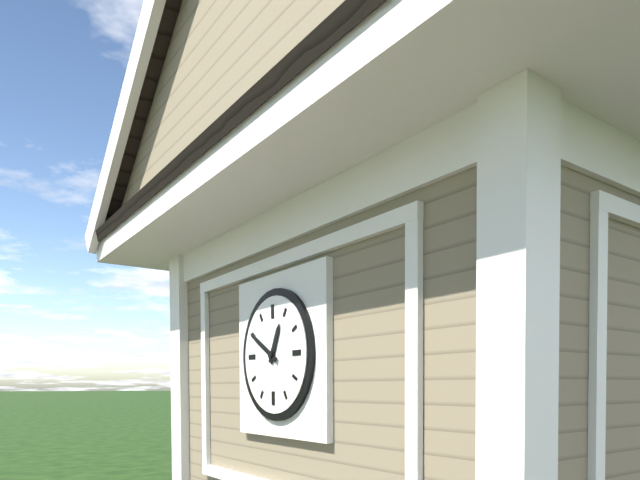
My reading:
**12:50**
